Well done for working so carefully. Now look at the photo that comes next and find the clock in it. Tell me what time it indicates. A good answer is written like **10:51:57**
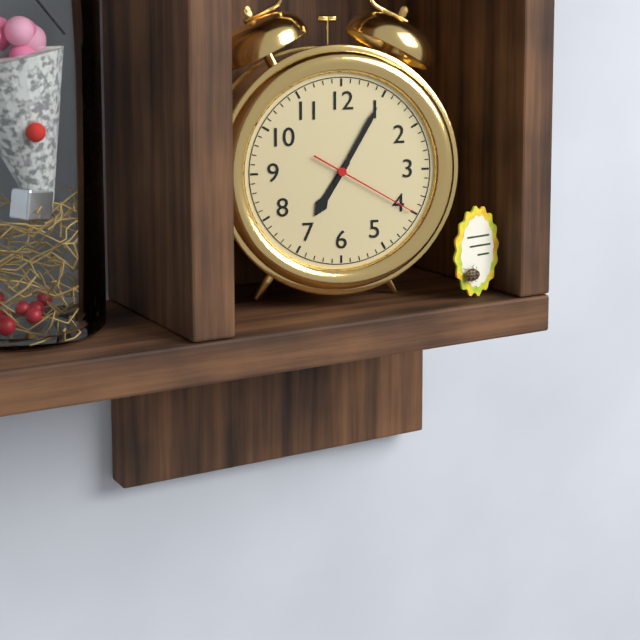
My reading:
**7:05:20**
